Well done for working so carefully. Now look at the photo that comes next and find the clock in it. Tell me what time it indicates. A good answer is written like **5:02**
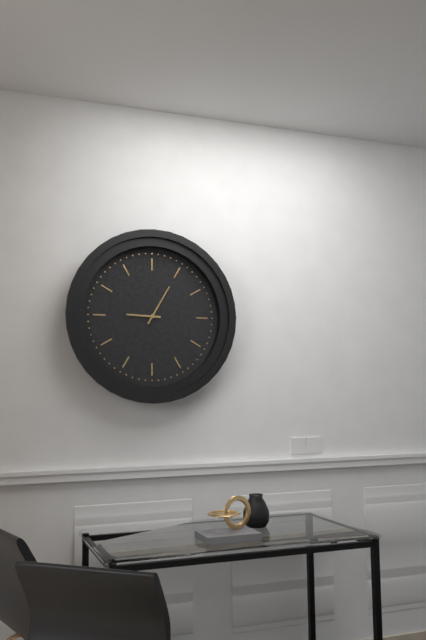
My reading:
**9:05**
